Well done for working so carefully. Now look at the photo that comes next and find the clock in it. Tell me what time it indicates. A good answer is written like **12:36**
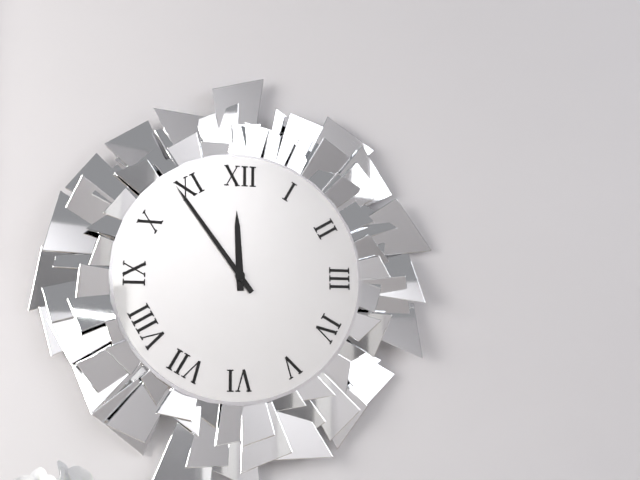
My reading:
**11:54**
